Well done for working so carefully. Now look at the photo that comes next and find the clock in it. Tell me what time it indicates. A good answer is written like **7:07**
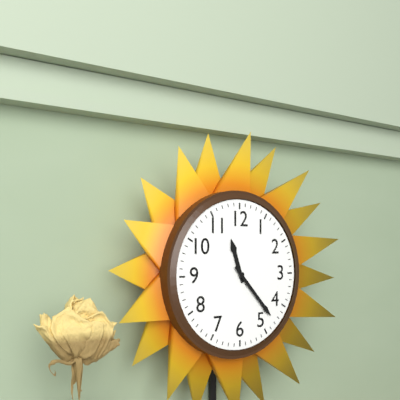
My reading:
**11:23**
